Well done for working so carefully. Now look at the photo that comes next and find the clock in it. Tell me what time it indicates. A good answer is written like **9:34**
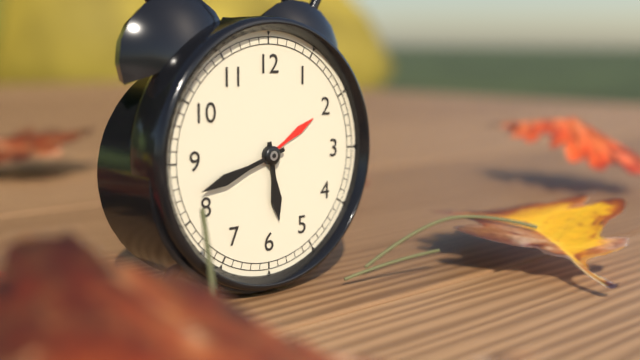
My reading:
**5:42**
